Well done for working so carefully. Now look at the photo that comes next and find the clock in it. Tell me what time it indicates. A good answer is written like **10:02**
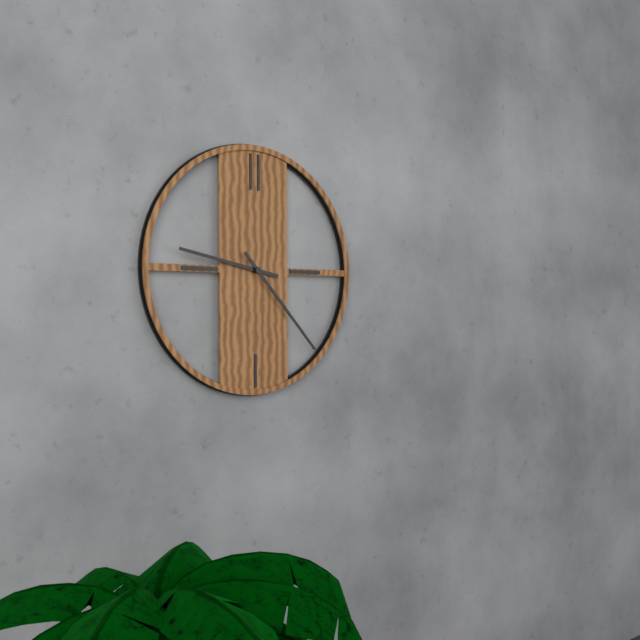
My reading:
**9:23**
